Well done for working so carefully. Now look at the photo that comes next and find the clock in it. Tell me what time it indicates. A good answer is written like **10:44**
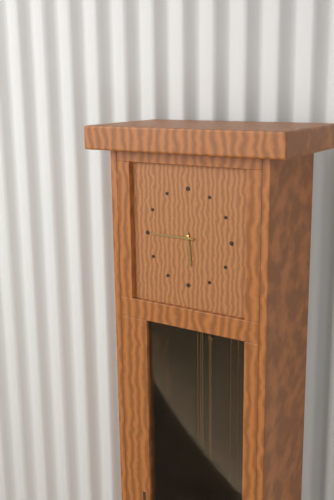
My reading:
**5:45**
